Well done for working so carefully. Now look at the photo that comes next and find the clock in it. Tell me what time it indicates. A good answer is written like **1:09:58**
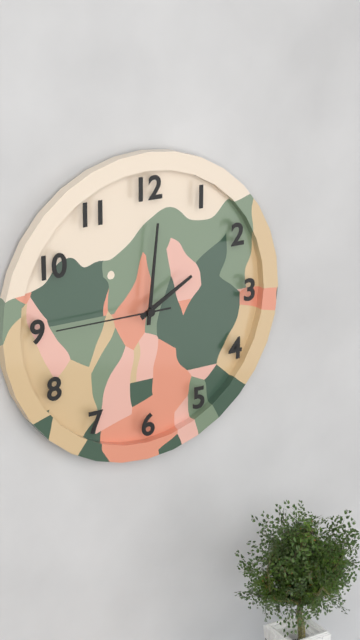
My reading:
**2:01:45**
